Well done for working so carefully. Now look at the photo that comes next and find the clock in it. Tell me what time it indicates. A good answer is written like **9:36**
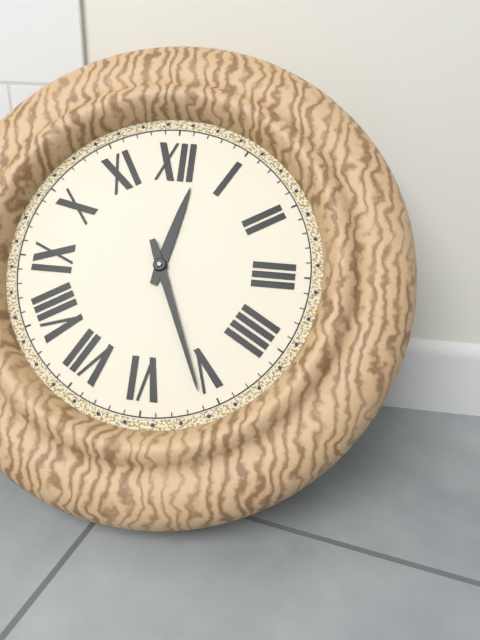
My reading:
**12:26**
